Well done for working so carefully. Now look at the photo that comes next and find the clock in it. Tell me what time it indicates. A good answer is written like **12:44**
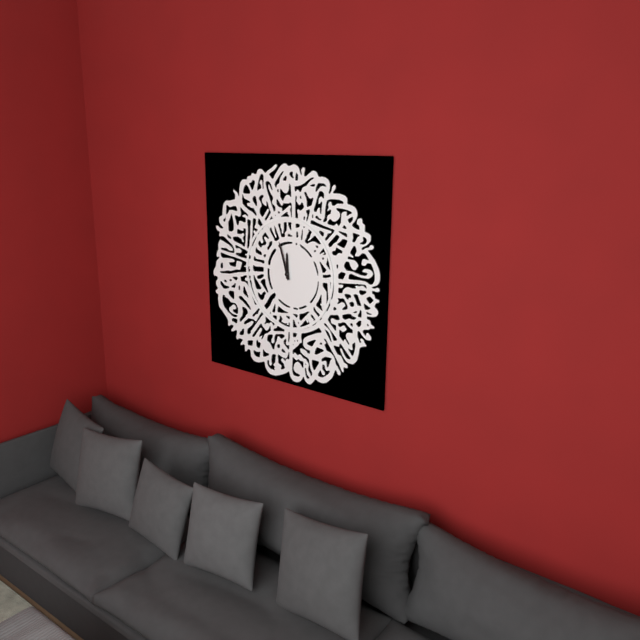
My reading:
**11:57**
